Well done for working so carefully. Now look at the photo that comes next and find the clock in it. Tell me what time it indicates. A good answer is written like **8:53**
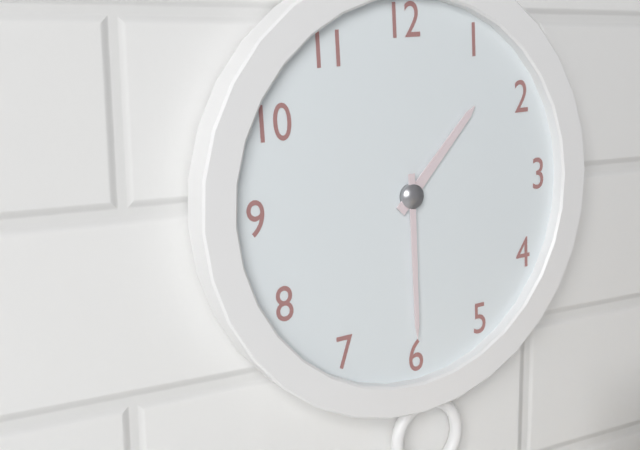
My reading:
**1:30**
